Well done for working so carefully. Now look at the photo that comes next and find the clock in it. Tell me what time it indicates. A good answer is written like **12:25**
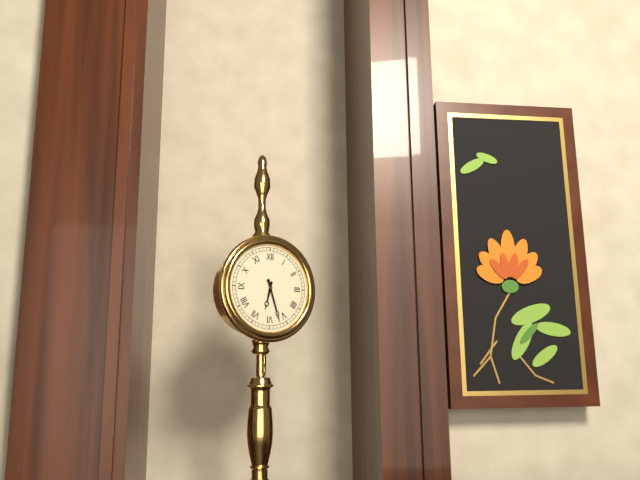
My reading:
**6:27**
